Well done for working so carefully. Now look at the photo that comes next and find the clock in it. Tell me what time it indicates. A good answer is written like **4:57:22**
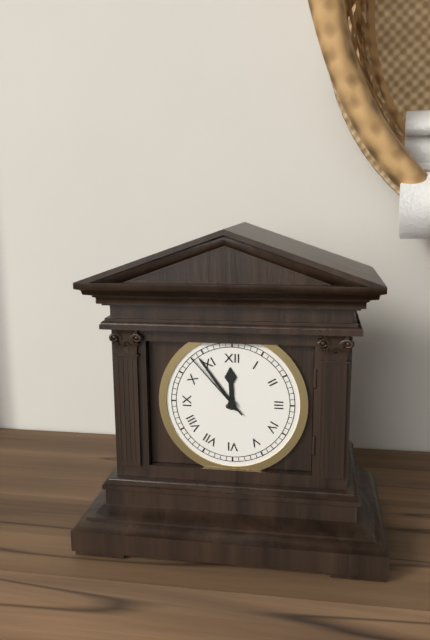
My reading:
**11:54:53**
